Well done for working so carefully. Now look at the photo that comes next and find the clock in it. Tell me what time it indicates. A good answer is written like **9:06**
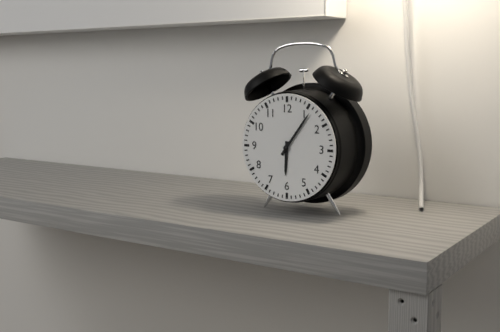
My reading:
**6:06**
